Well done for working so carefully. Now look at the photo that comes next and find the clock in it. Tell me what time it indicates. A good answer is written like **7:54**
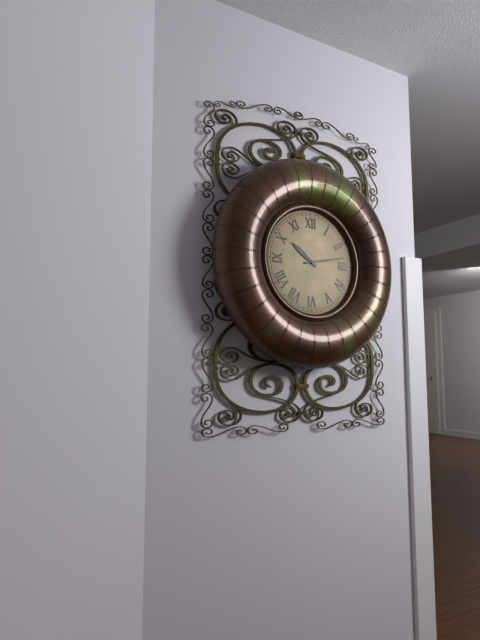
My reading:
**10:13**
